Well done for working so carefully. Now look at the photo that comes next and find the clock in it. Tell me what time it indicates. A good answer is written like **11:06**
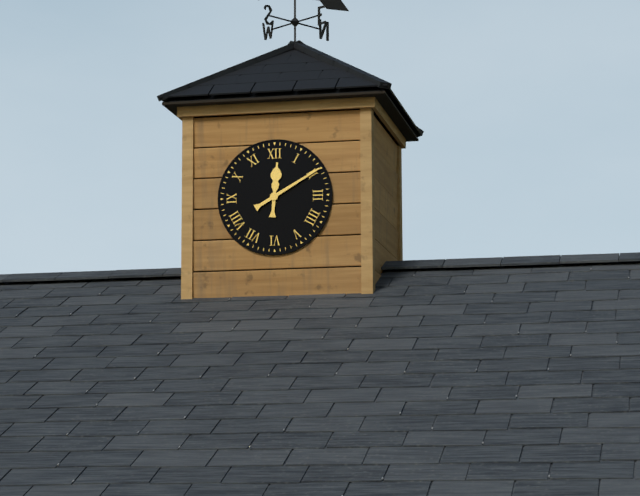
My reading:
**12:10**
